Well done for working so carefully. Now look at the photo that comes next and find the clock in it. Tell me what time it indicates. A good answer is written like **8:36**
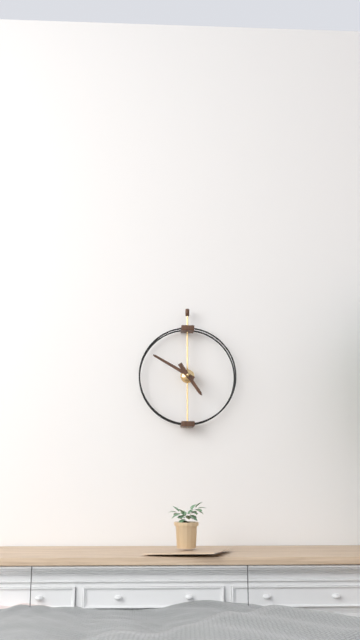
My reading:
**4:50**
